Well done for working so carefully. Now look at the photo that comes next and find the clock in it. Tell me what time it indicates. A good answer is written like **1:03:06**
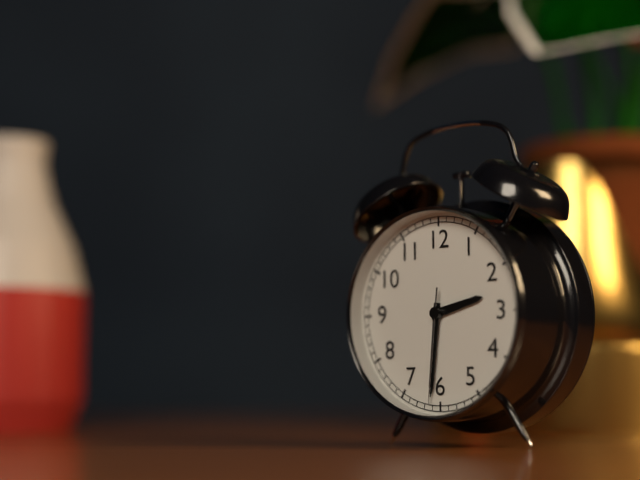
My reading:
**2:31:31**
